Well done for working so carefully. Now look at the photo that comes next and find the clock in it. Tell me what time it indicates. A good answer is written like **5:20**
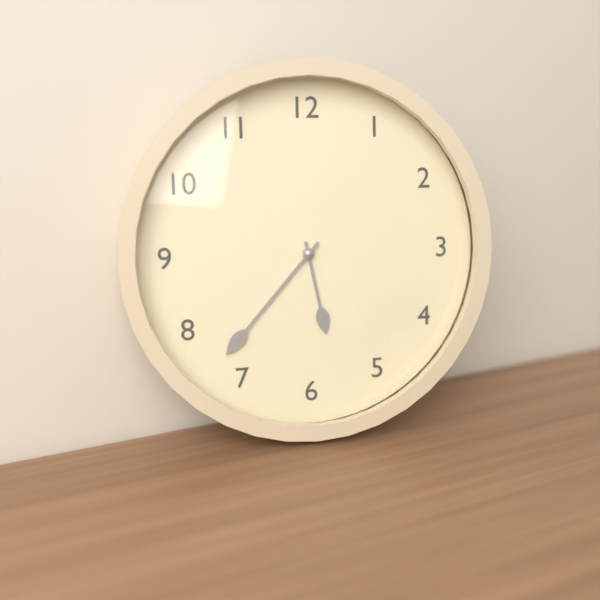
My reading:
**5:37**
